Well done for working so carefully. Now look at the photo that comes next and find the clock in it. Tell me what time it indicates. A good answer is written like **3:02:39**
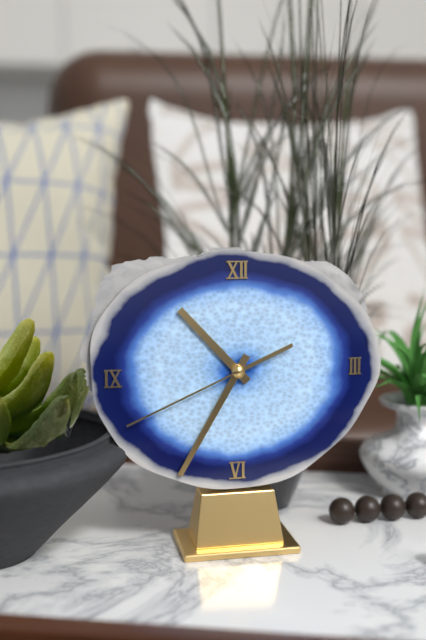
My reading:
**10:35:41**
